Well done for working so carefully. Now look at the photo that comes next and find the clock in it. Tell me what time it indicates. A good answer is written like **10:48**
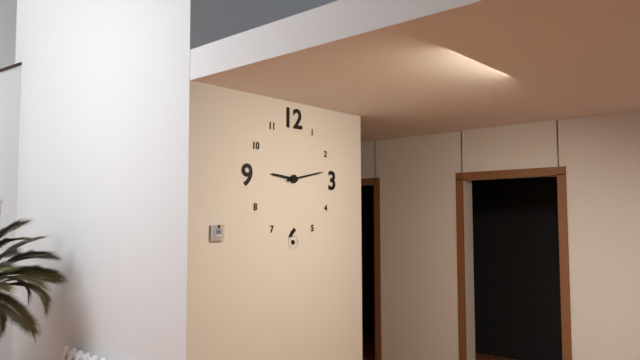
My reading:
**9:13**
